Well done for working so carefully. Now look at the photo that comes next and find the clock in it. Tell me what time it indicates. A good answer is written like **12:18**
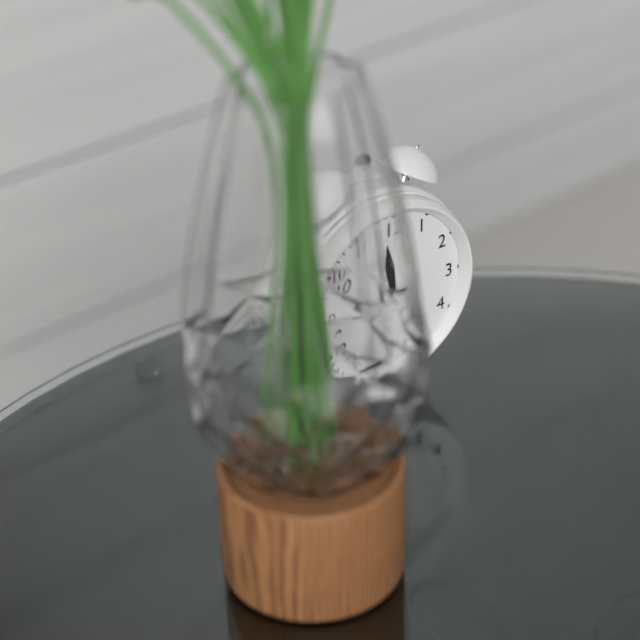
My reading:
**11:44**
